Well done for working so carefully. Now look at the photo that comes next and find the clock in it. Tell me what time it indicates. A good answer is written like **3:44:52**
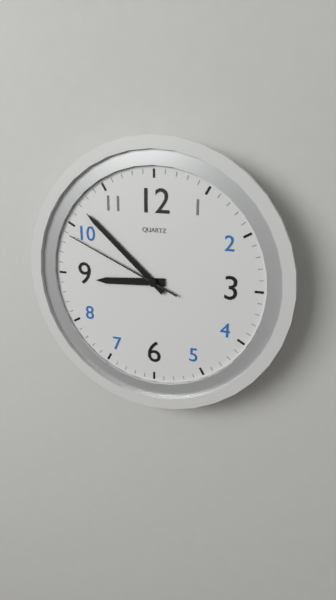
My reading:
**8:52:49**
